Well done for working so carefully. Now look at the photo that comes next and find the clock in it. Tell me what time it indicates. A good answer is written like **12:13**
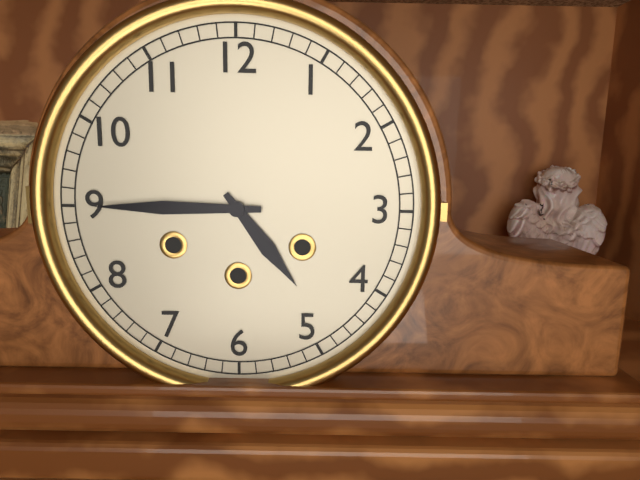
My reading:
**4:45**
